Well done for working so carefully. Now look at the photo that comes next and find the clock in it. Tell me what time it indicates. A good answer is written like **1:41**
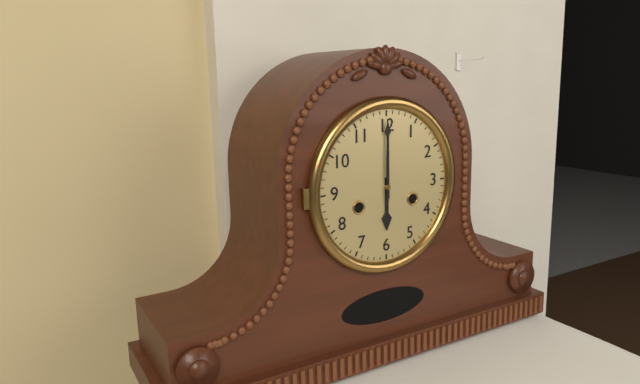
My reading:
**6:00**
